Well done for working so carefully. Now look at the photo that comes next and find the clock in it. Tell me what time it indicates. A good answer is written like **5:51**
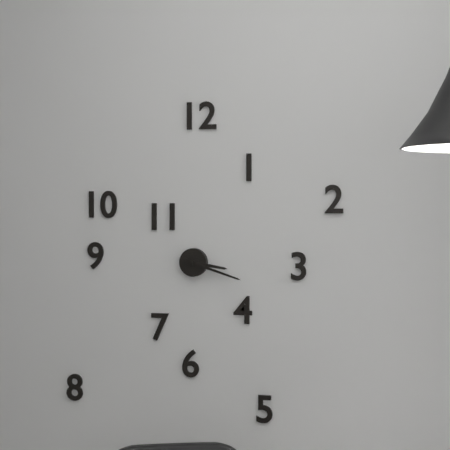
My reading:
**3:18**
